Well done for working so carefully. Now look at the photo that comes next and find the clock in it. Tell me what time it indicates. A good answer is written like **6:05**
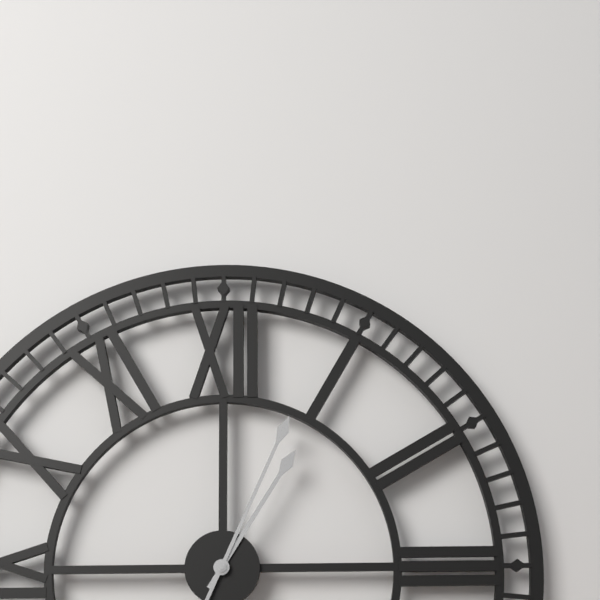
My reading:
**1:04**
